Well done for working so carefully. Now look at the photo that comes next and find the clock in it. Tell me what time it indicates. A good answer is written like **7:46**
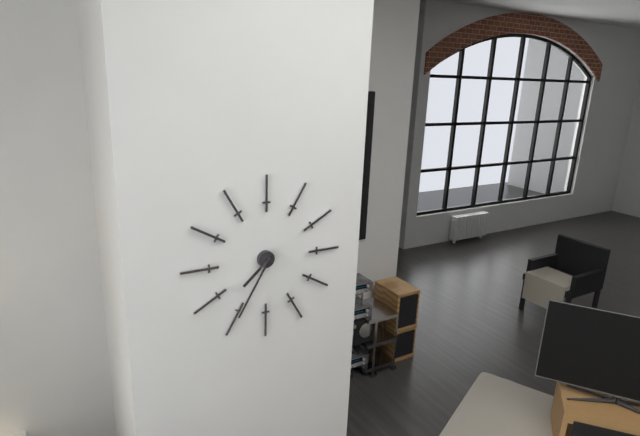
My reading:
**7:35**
